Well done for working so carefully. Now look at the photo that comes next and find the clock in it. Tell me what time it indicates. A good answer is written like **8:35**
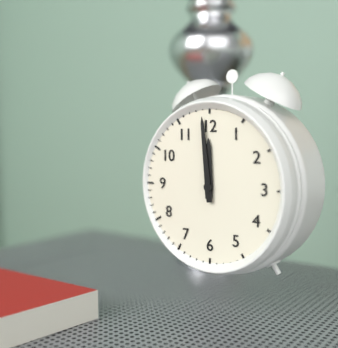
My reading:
**11:59**
